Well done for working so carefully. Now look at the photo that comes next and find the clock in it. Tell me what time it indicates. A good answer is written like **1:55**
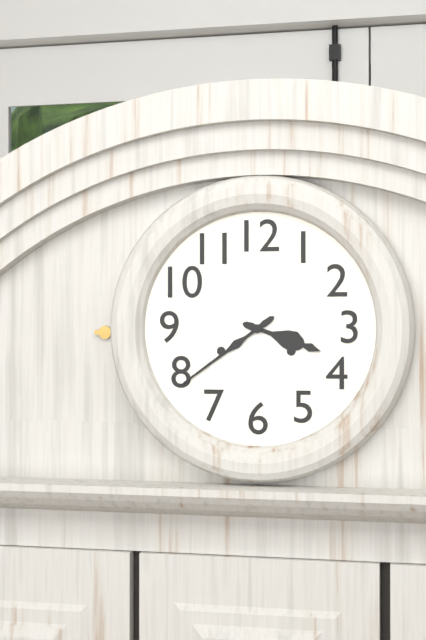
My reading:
**3:39**
